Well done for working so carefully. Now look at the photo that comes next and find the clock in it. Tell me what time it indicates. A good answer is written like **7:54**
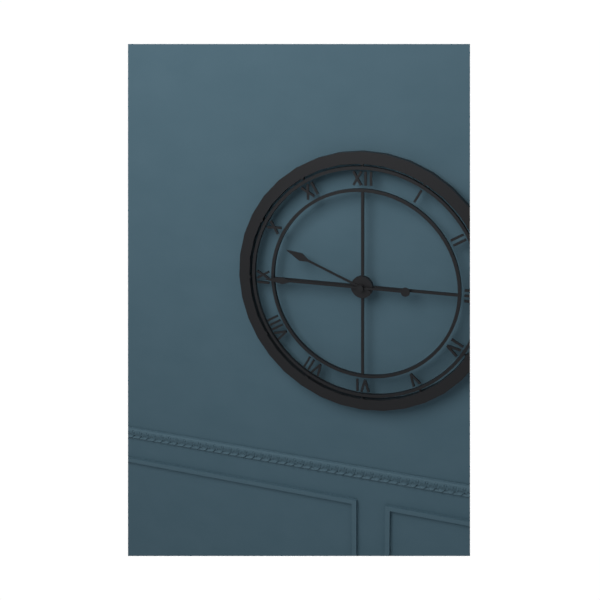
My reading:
**9:45**
